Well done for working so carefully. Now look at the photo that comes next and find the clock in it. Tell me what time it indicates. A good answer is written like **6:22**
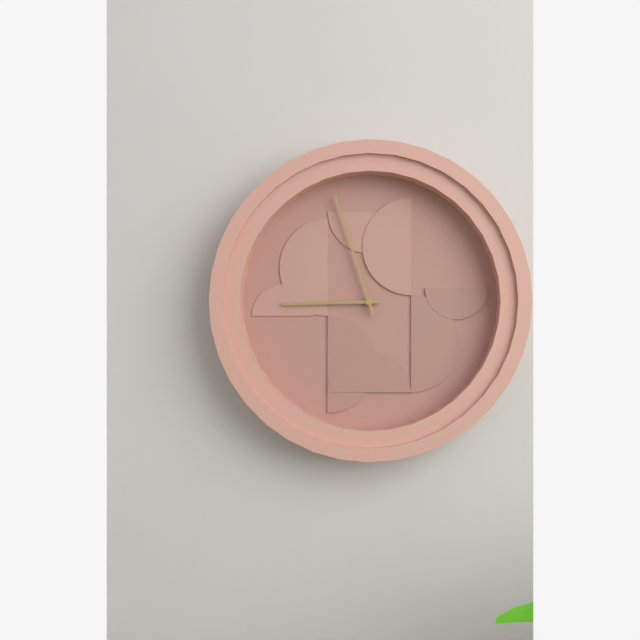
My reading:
**8:57**
